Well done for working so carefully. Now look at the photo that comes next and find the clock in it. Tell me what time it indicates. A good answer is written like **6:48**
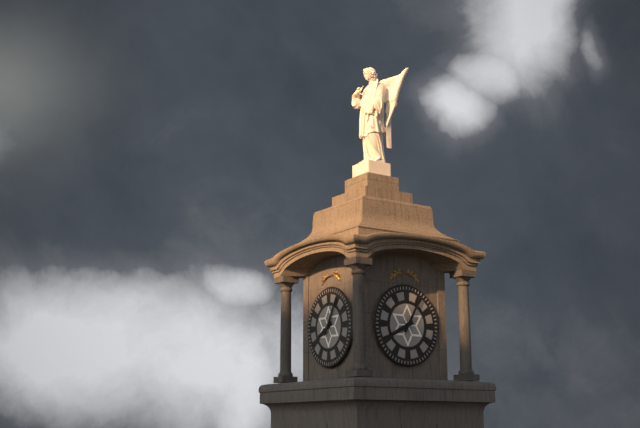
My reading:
**8:05**
